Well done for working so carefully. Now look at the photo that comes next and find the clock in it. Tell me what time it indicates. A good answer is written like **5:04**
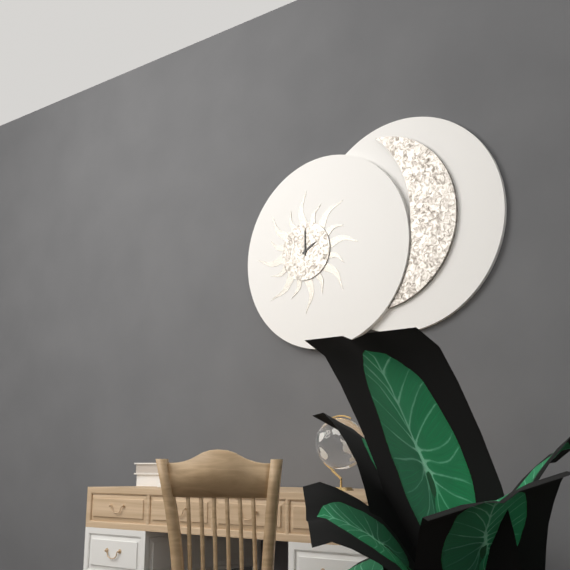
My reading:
**2:00**
